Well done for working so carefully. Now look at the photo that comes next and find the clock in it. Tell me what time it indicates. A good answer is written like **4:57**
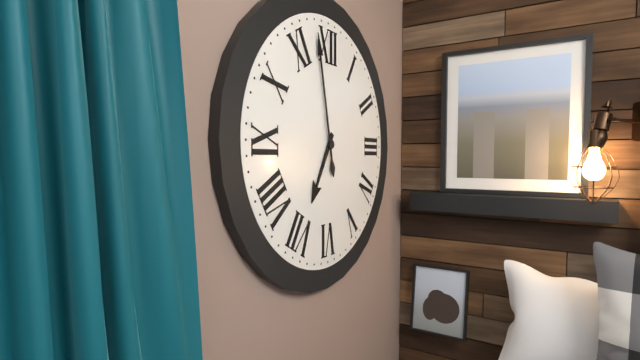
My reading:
**6:58**
